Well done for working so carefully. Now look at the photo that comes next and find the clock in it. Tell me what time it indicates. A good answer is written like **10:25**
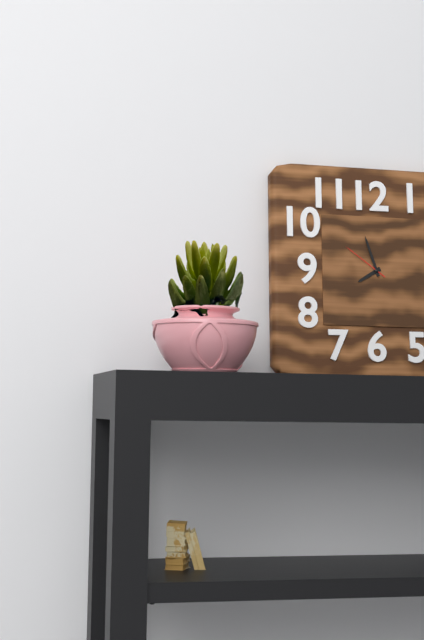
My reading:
**7:57**
